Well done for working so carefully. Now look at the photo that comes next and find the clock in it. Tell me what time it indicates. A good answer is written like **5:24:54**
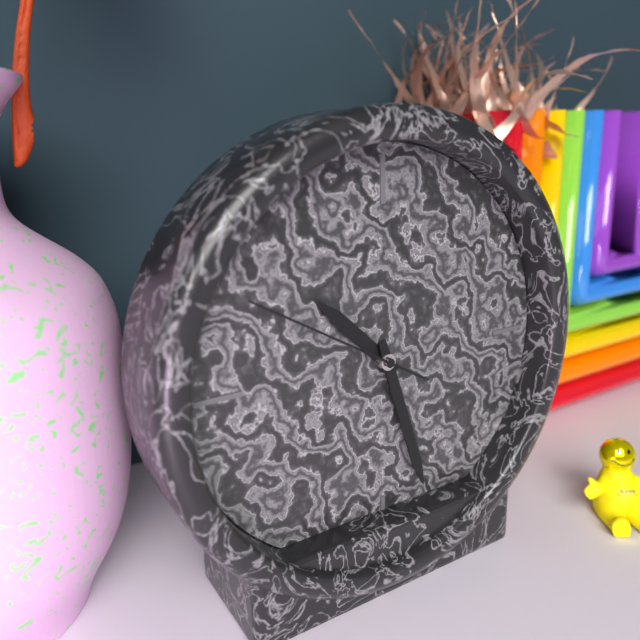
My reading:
**10:27:50**
